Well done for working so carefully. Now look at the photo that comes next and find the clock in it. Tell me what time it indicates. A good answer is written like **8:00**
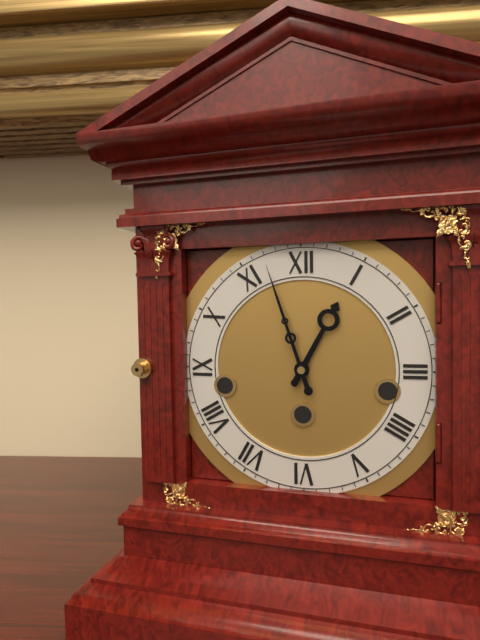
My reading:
**12:57**
